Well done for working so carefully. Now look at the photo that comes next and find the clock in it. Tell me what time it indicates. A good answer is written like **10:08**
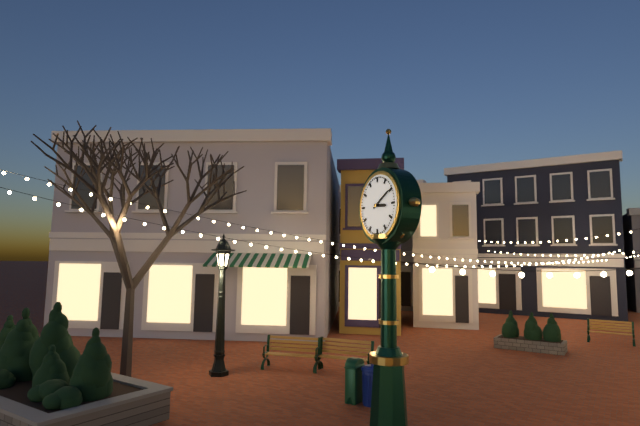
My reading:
**3:10**
